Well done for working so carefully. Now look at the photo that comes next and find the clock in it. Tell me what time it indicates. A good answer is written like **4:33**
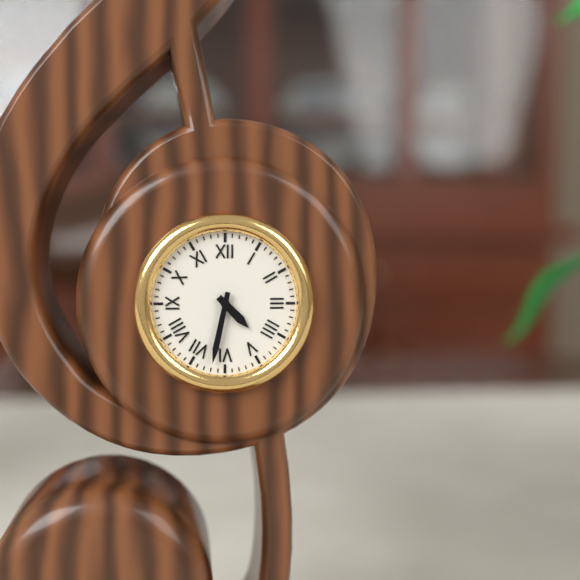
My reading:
**4:32**
